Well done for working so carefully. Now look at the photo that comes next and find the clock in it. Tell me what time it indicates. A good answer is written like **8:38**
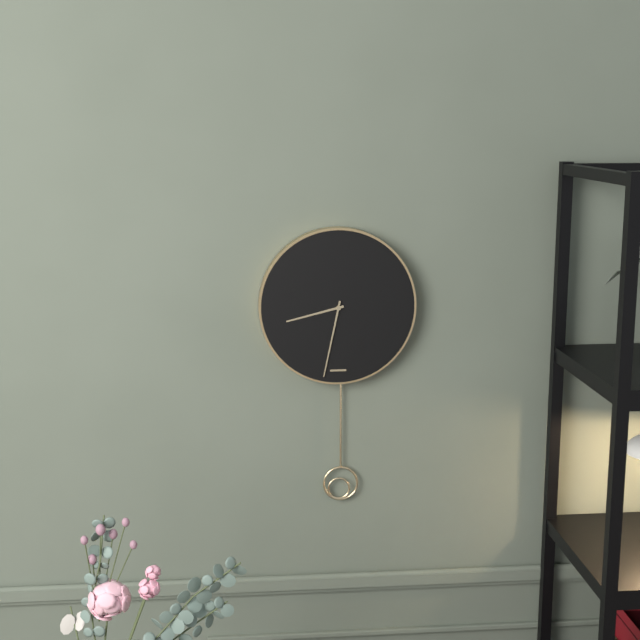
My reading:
**8:32**
